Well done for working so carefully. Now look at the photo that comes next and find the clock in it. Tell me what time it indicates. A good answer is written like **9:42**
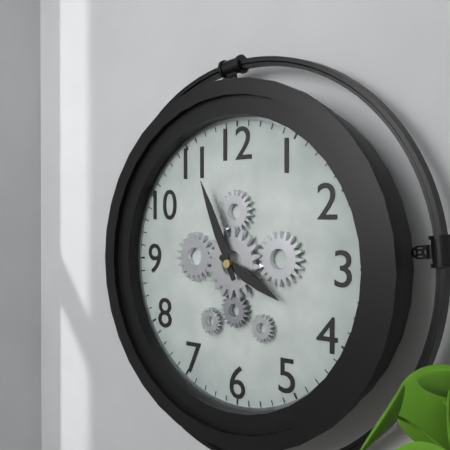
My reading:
**3:56**
